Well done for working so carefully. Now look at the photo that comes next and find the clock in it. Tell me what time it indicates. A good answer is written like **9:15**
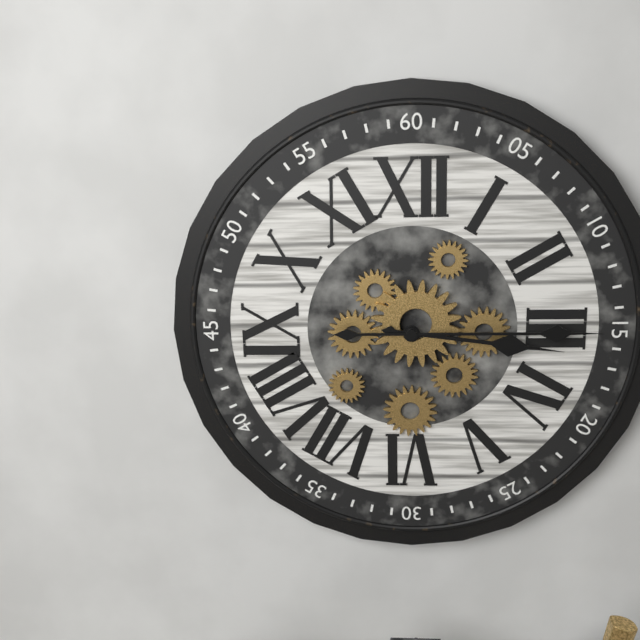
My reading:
**3:15**
